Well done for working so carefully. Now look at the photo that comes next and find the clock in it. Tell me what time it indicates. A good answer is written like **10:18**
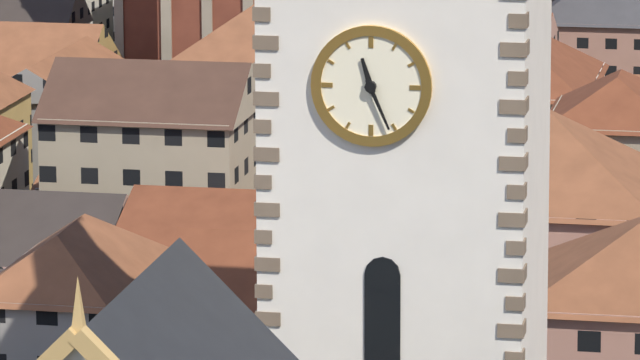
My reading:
**11:26**
